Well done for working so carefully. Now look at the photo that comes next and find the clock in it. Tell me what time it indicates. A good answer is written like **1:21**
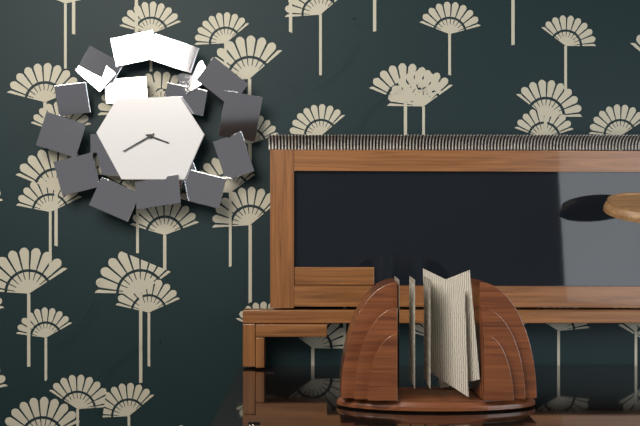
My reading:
**3:40**
